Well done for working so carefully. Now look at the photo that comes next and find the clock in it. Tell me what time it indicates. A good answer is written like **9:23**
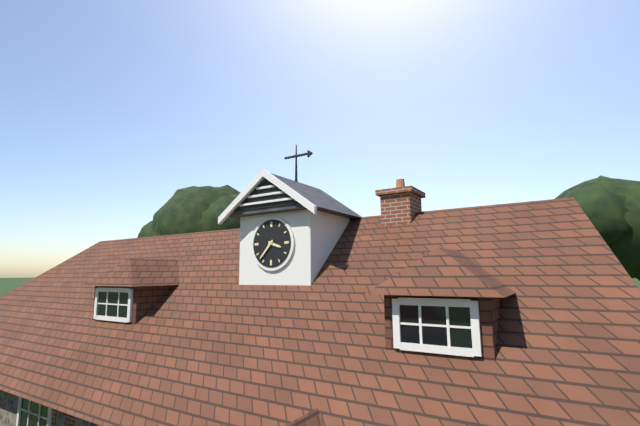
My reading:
**3:37**
